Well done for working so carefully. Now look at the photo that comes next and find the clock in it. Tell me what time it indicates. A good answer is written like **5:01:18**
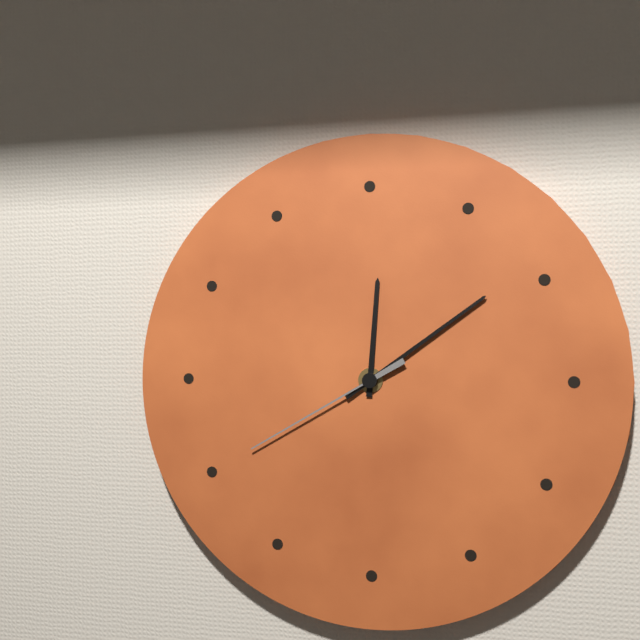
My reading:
**12:09:40**
